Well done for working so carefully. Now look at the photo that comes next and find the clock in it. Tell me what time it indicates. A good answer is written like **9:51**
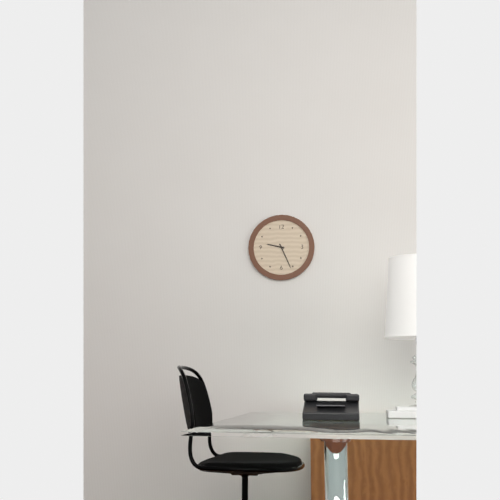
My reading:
**9:26**
